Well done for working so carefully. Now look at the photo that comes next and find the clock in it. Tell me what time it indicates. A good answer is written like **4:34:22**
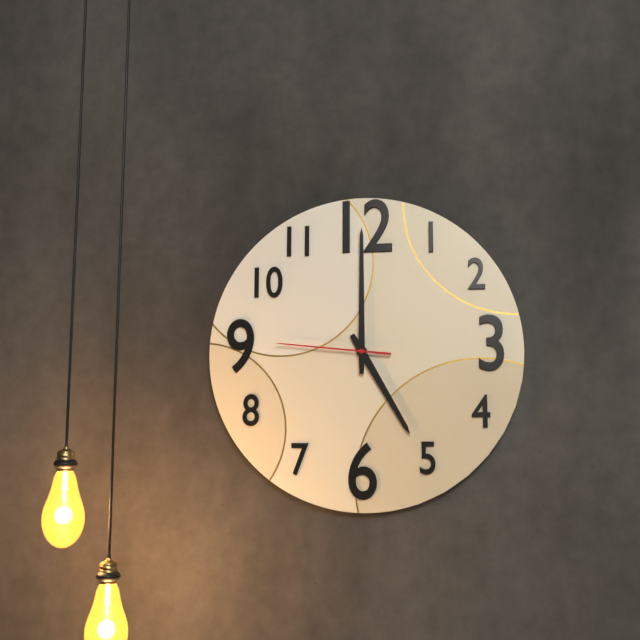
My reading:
**5:00:46**
